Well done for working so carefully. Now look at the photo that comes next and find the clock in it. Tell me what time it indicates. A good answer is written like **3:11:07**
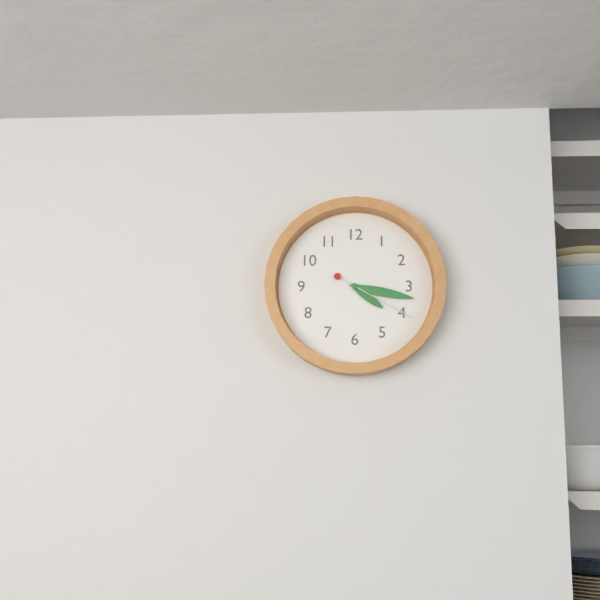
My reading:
**4:17:20**
